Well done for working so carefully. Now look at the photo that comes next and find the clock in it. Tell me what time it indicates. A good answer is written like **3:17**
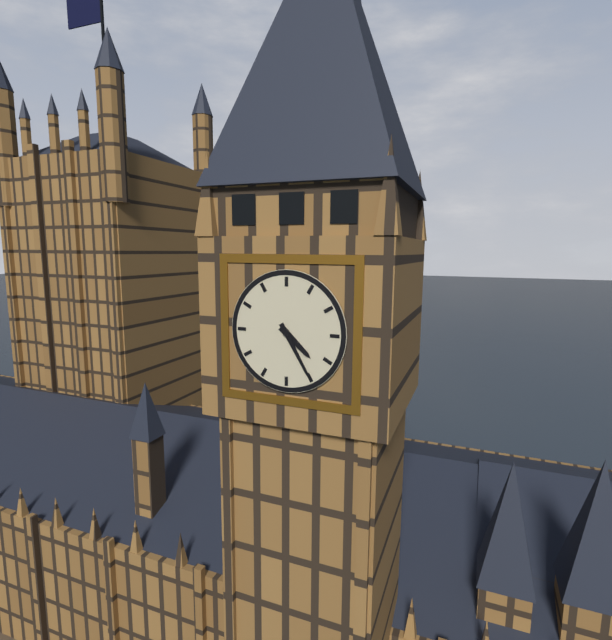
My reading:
**4:25**
